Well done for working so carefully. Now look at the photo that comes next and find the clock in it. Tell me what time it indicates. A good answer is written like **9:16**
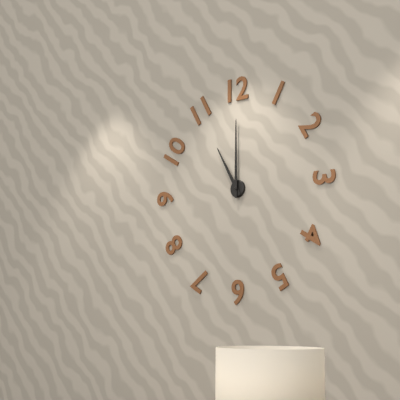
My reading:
**11:00**
